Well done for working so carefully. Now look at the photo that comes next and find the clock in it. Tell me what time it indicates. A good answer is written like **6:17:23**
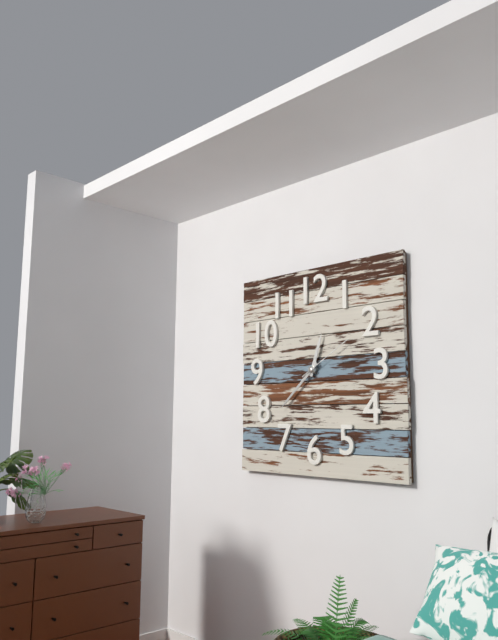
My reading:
**12:38:10**
